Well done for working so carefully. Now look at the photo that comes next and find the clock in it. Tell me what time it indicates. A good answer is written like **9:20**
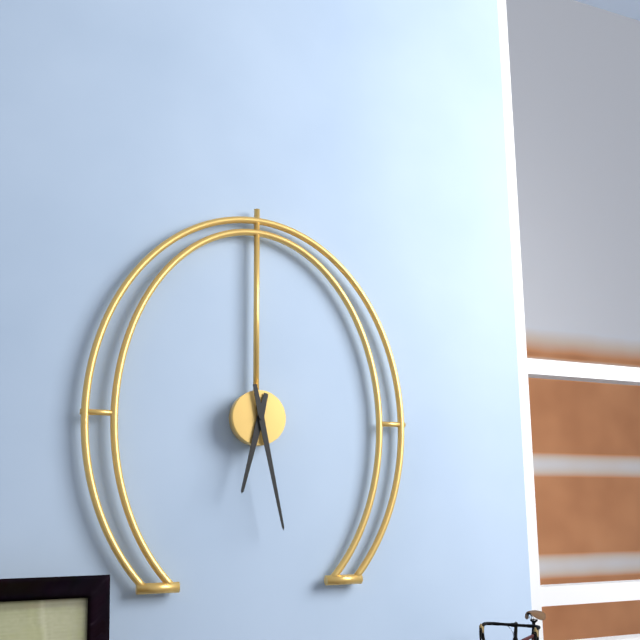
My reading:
**6:28**
